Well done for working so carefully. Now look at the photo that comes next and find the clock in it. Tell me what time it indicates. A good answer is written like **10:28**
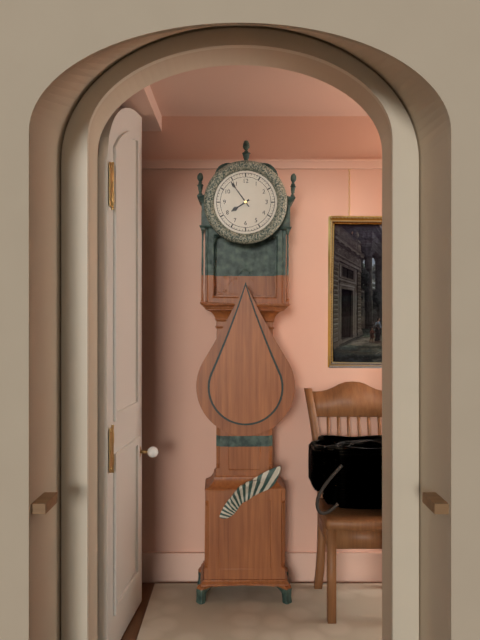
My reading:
**7:54**
